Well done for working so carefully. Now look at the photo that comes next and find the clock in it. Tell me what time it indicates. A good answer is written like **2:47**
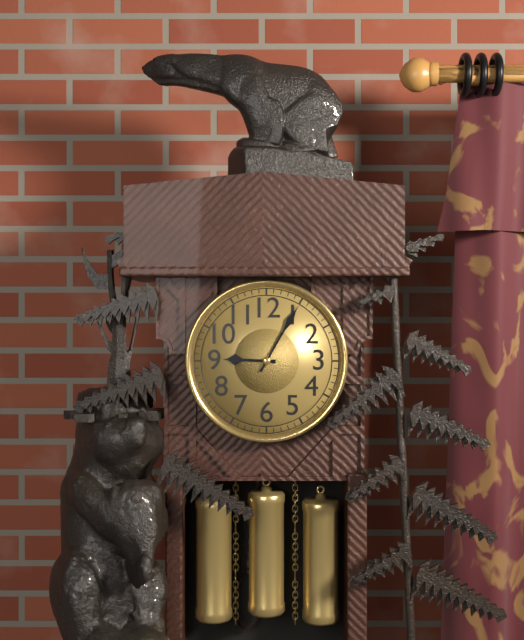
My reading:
**9:05**
